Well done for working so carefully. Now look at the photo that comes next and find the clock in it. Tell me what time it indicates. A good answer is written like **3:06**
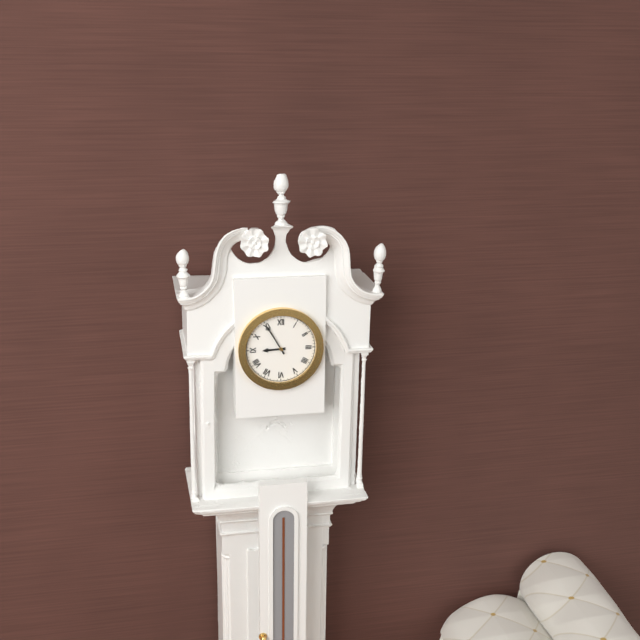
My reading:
**8:55**
